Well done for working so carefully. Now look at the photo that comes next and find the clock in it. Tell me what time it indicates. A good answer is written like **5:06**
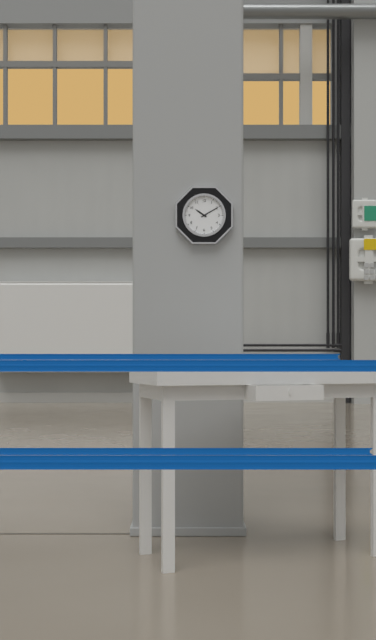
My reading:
**10:10**
